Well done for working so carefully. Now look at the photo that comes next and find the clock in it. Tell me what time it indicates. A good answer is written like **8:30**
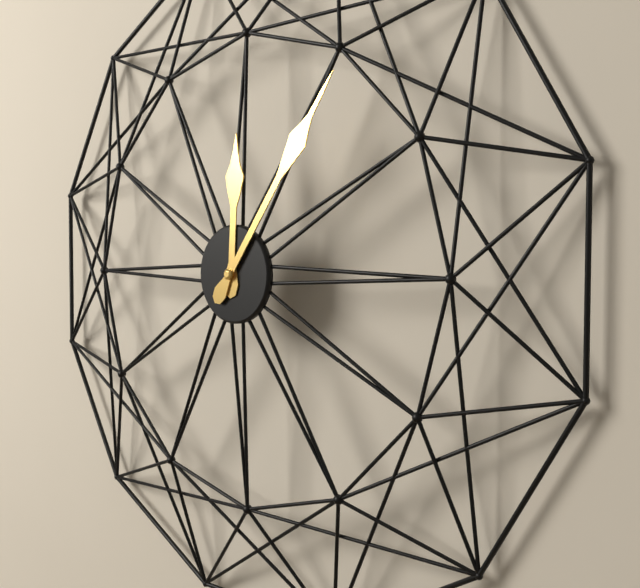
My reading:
**12:06**
